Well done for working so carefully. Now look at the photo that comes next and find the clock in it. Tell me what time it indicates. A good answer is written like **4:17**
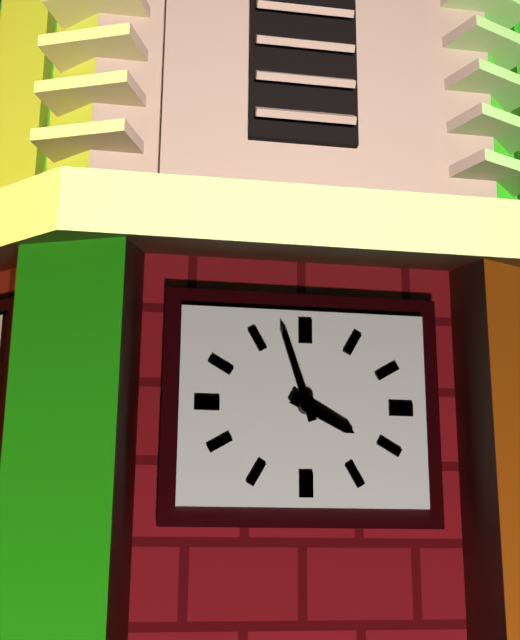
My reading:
**3:57**
